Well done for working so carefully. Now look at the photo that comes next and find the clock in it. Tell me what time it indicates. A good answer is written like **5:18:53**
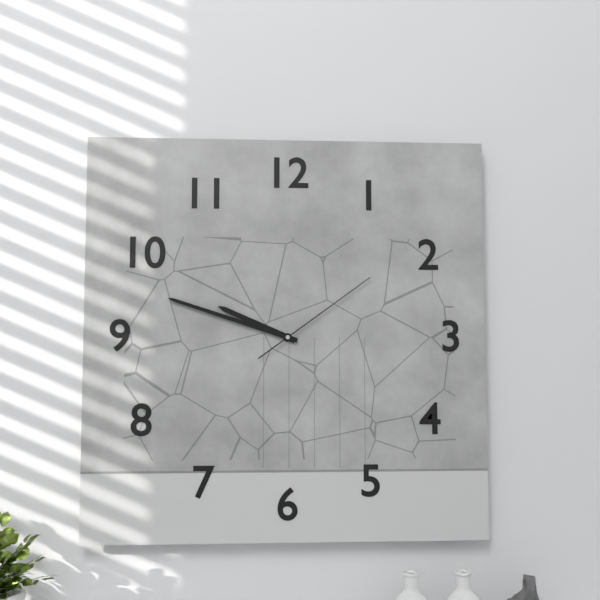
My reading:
**9:48:09**
